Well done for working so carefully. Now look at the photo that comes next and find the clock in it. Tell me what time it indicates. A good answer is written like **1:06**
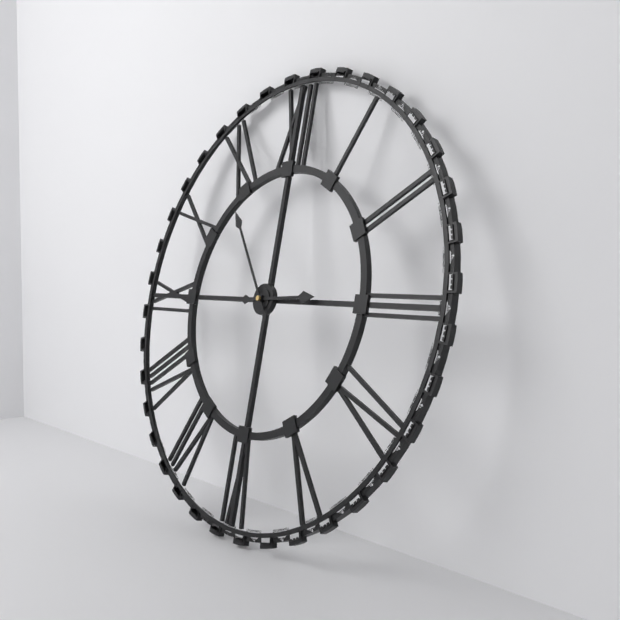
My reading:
**2:54**
